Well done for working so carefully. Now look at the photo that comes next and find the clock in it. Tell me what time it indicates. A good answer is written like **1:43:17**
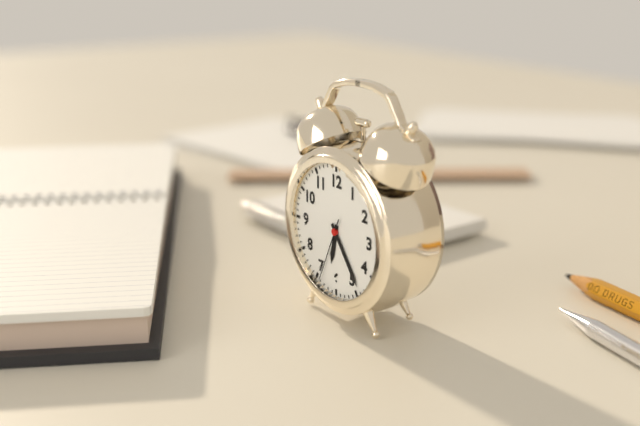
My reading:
**6:24:34**
